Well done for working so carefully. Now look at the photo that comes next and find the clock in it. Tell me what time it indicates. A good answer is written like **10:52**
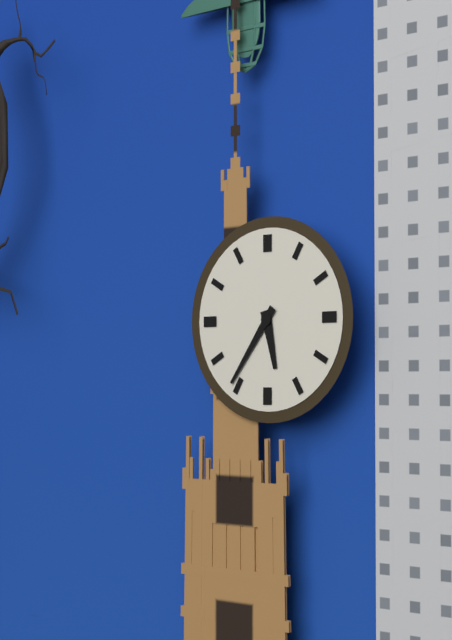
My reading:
**5:36**
